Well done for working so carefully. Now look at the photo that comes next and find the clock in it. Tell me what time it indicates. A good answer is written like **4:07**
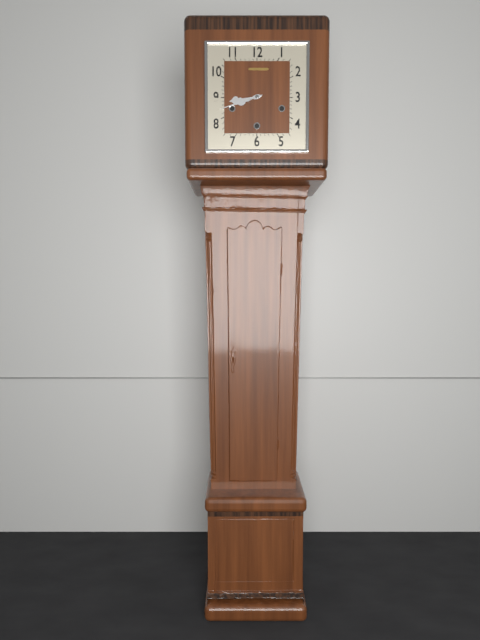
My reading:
**8:42**
